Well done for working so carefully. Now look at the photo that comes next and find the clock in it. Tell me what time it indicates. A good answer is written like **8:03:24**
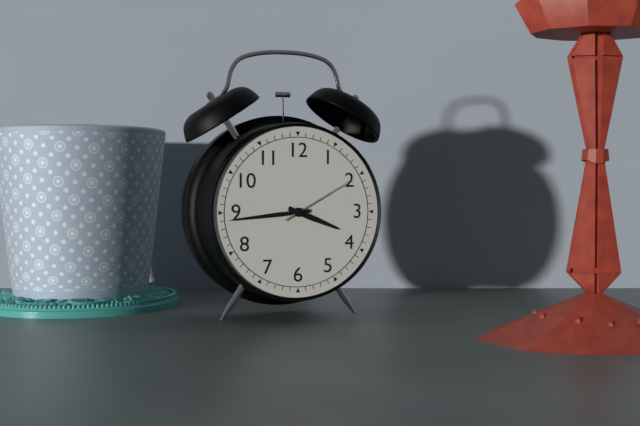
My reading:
**3:44:10**
